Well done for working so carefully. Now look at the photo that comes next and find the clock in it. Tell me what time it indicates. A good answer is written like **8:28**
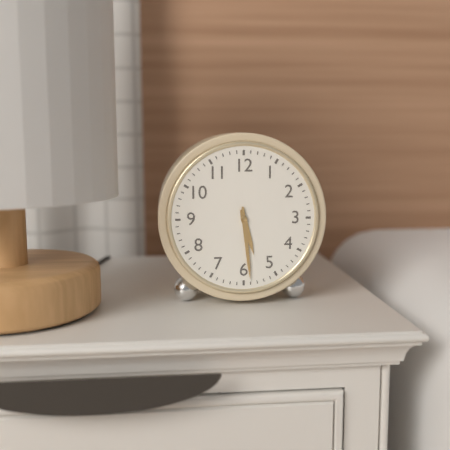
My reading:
**5:29**
